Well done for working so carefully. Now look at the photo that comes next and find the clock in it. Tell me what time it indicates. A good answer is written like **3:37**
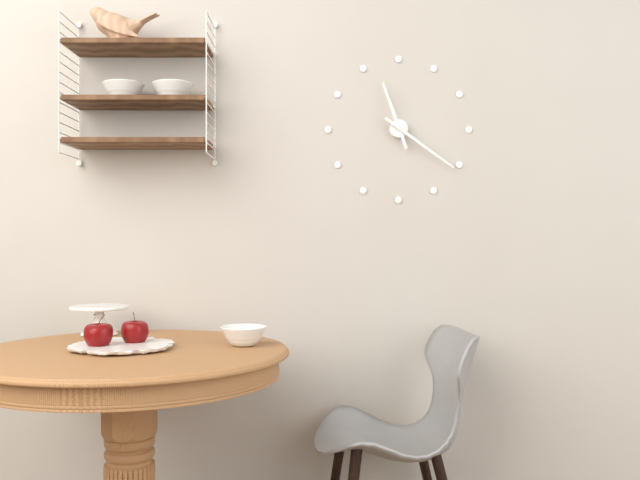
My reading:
**11:21**
